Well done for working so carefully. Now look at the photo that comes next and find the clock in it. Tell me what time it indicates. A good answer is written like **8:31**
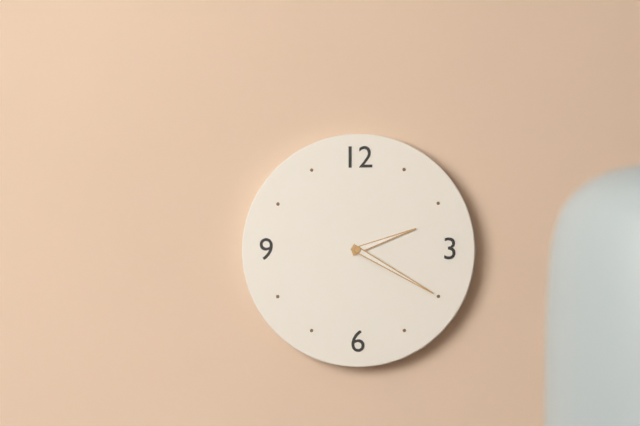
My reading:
**2:20**
